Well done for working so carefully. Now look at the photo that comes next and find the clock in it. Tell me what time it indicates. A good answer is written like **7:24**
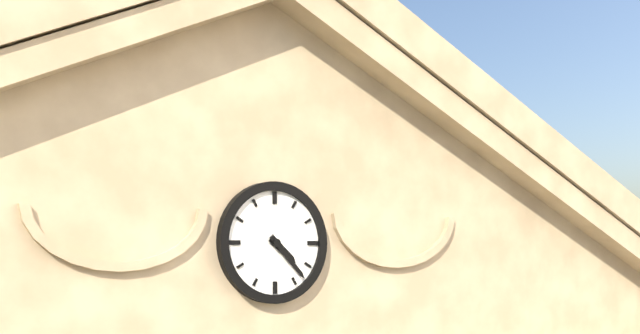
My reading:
**4:23**
